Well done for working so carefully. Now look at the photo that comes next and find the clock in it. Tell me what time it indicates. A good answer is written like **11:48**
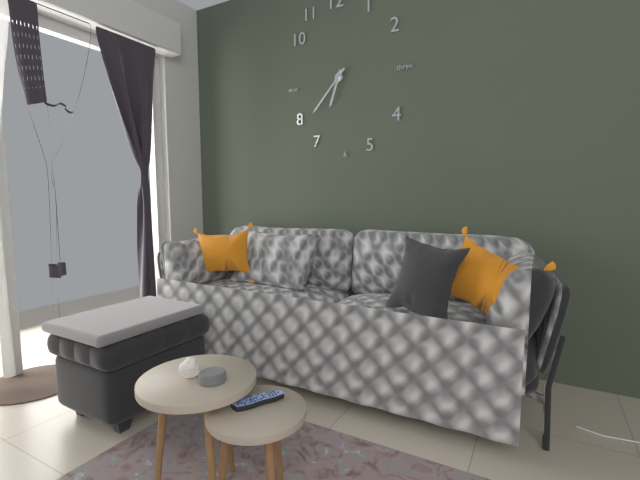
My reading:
**6:37**
